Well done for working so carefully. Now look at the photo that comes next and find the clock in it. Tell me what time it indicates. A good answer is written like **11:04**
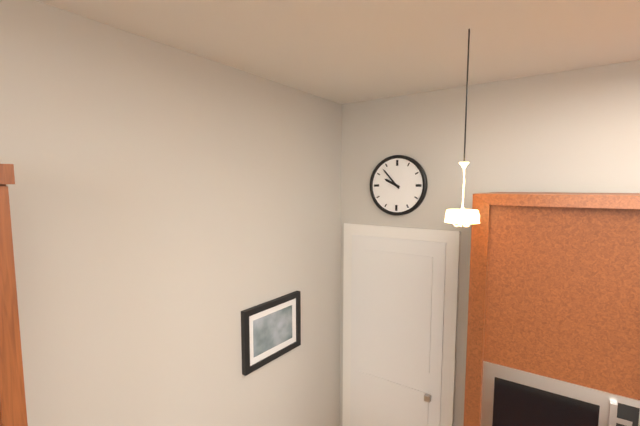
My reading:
**9:53**
